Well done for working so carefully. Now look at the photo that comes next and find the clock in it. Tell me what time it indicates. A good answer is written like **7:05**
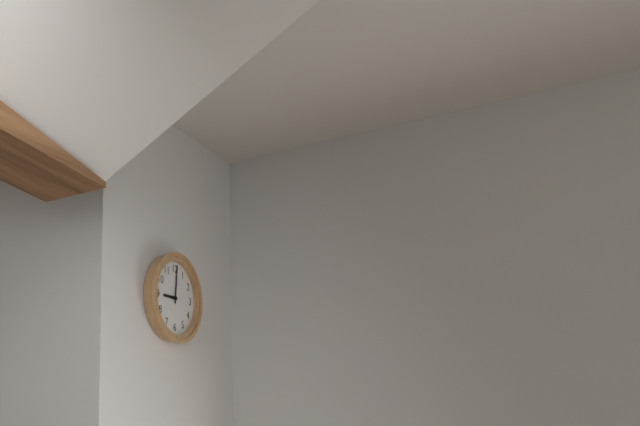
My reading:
**9:01**
